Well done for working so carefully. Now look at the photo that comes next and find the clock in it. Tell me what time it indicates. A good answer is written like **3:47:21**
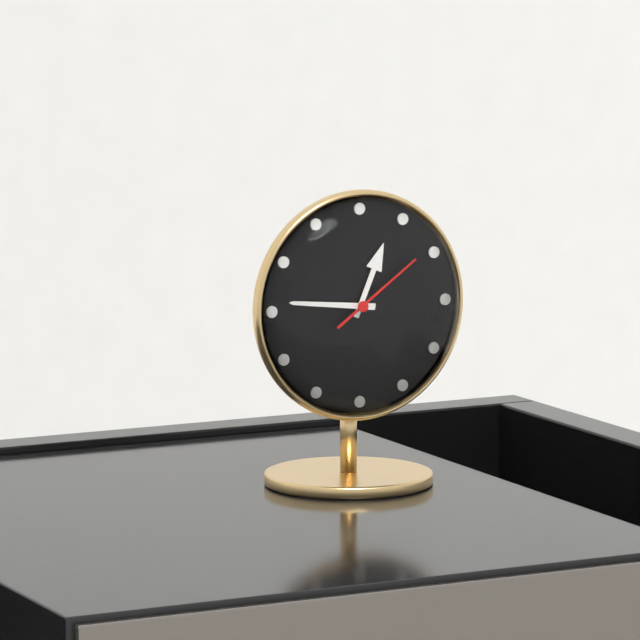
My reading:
**12:46:09**
